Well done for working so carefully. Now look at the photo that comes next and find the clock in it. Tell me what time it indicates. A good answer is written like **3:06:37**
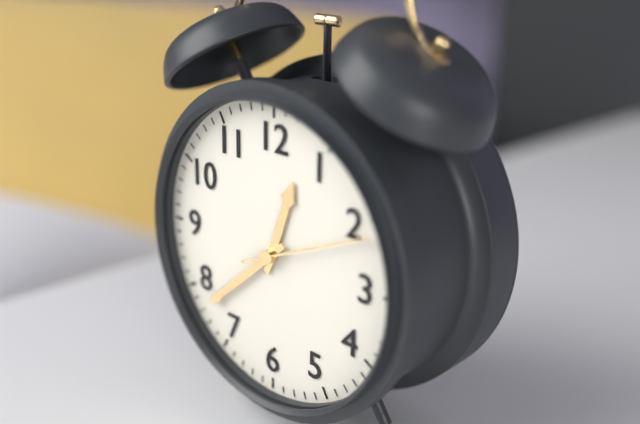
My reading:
**12:38:11**
